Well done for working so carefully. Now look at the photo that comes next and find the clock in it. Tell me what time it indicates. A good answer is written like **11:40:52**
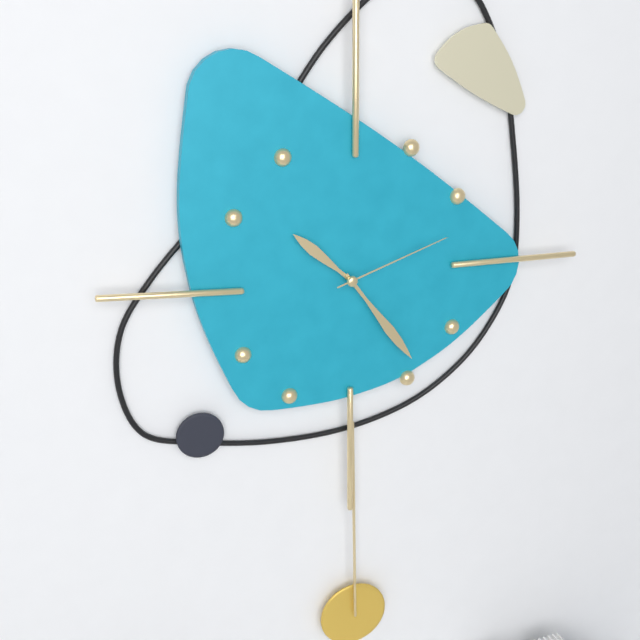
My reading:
**10:24:12**
